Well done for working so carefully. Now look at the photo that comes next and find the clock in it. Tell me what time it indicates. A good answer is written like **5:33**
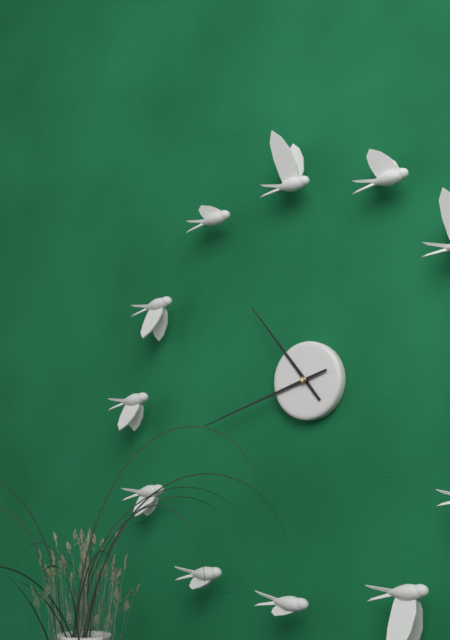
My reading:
**10:42**
